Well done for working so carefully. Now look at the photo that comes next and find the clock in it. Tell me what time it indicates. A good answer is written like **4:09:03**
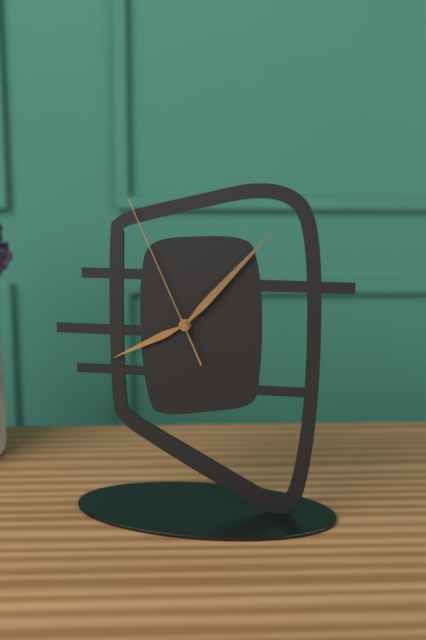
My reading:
**8:07:56**
